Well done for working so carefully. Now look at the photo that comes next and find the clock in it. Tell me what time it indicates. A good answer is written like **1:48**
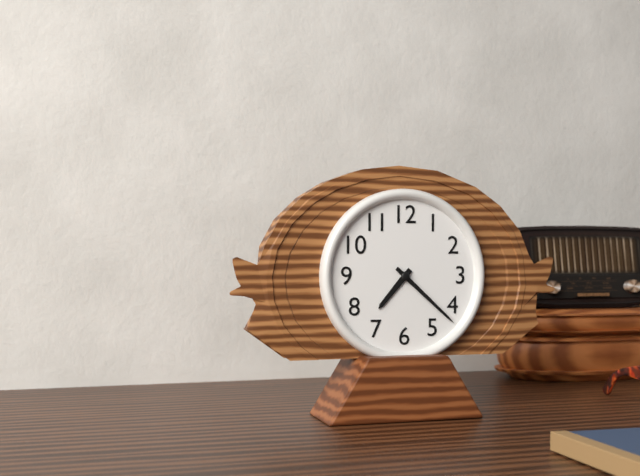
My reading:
**7:22**
